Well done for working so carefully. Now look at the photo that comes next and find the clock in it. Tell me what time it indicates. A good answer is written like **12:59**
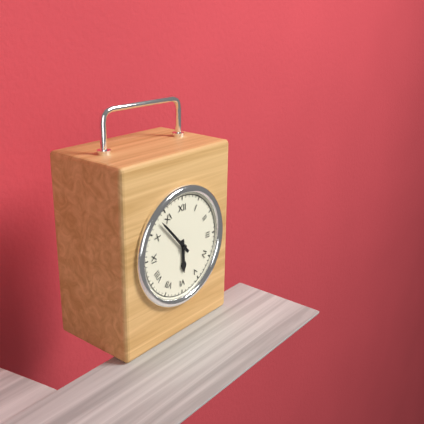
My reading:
**5:53**
